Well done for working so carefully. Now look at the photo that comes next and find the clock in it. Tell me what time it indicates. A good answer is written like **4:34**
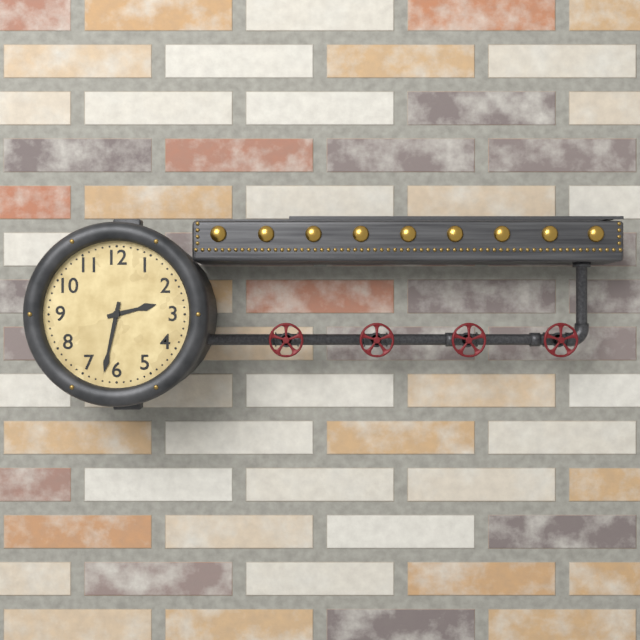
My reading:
**2:32**
